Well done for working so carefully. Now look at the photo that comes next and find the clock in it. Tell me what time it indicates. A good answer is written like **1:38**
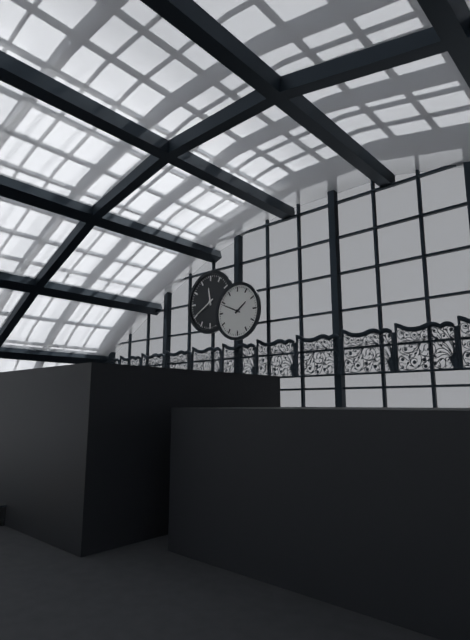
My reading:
**1:49**
